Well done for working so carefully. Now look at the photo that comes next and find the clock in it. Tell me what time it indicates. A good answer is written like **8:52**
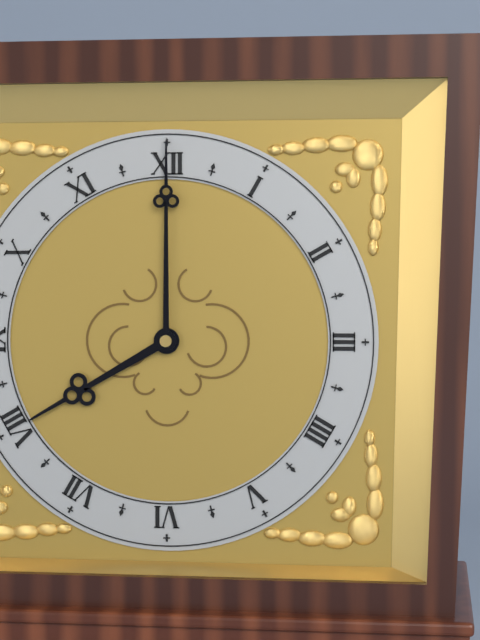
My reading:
**8:00**
